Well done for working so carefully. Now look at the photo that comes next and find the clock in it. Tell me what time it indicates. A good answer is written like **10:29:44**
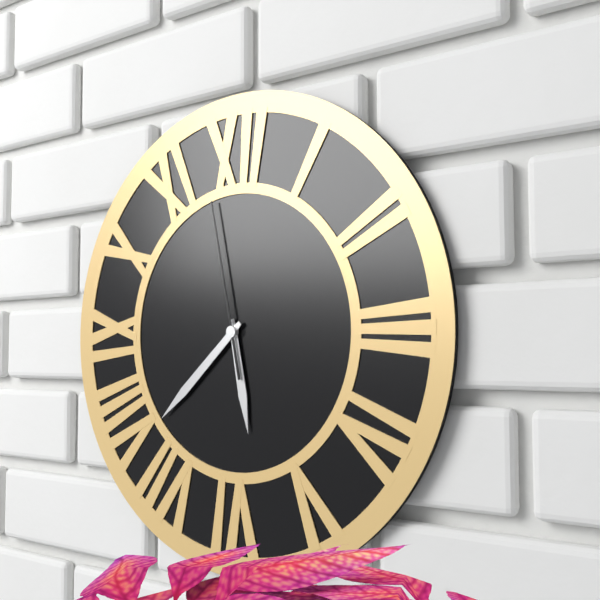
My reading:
**5:38:58**
